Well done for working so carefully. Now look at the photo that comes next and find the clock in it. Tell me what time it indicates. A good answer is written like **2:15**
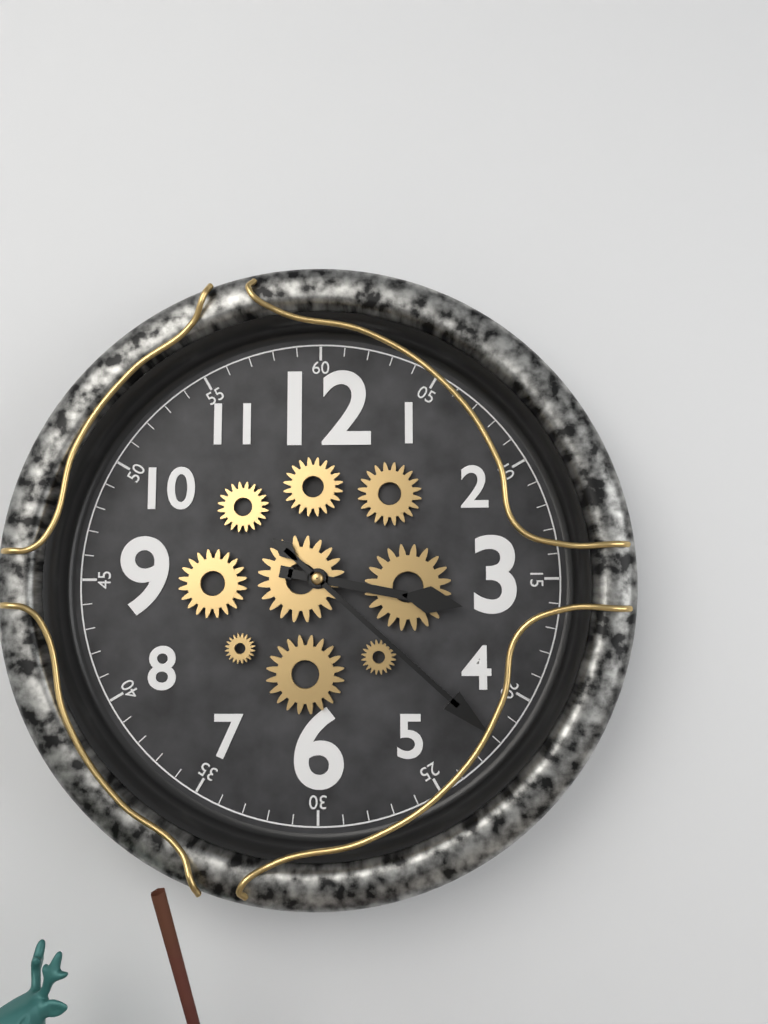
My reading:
**3:22**
